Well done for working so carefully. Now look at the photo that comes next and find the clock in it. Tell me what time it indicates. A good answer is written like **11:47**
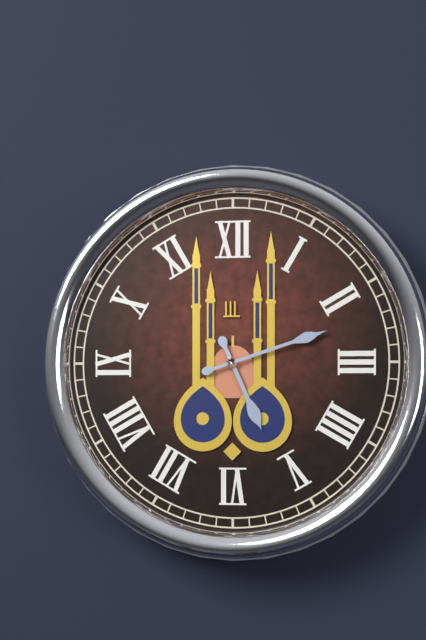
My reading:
**5:12**
